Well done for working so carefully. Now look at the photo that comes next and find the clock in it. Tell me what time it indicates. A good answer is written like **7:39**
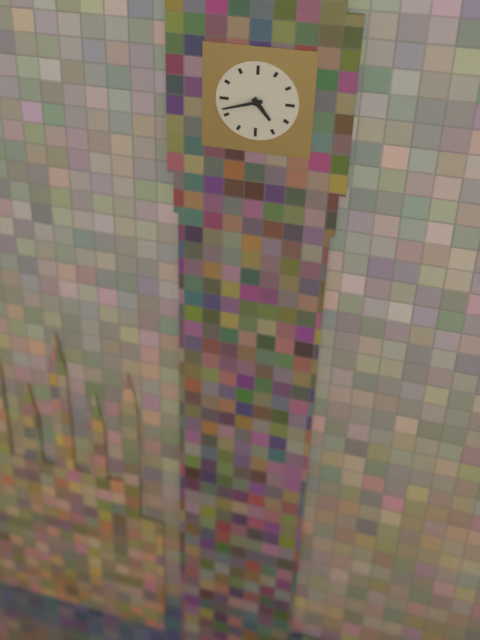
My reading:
**4:42**
